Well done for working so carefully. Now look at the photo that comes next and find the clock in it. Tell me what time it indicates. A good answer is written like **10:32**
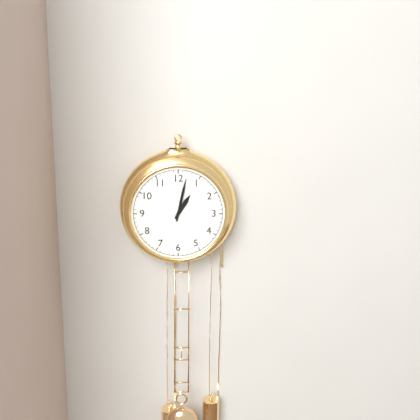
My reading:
**1:02**
